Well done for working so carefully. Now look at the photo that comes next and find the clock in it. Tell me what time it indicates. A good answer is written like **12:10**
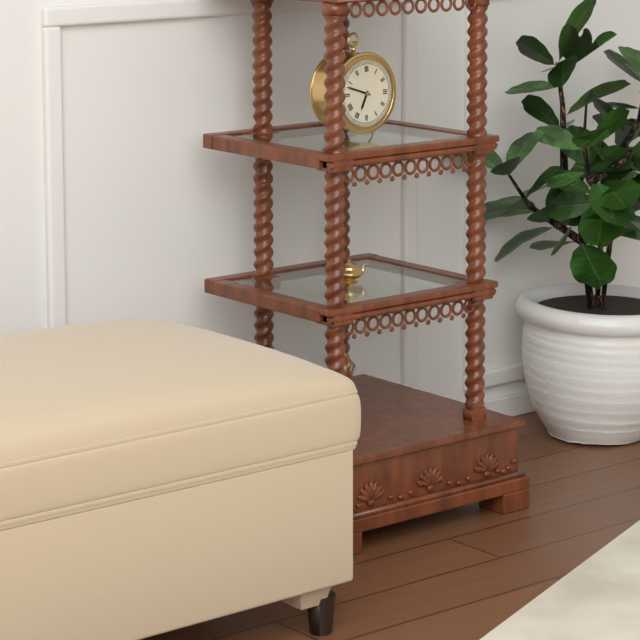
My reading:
**6:48**
